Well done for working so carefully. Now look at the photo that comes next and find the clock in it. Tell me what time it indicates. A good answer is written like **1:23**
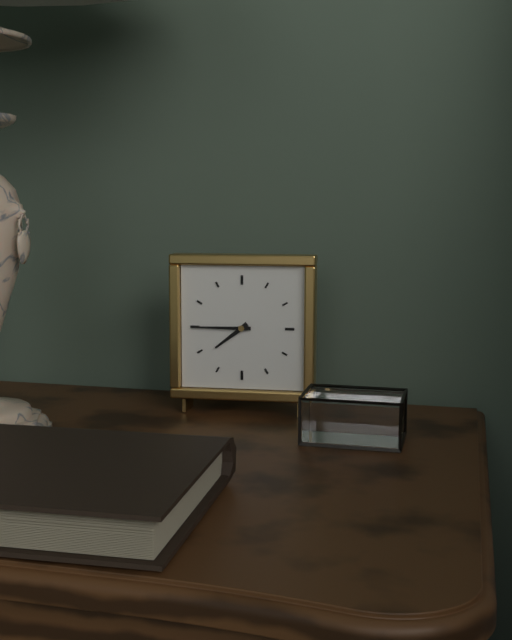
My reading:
**7:45**
